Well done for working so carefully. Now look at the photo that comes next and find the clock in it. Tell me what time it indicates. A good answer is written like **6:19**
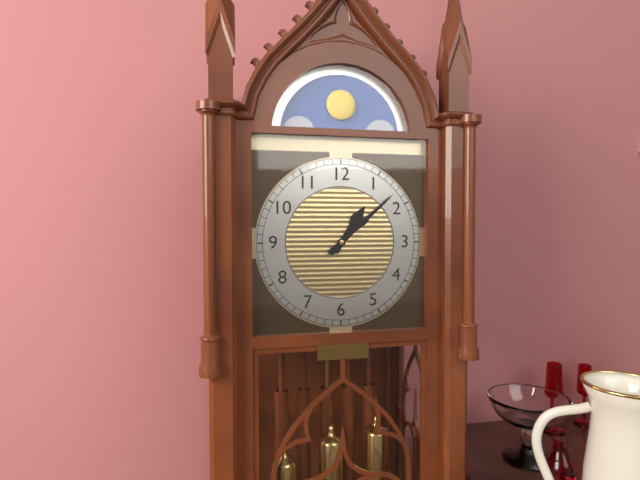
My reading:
**1:08**
